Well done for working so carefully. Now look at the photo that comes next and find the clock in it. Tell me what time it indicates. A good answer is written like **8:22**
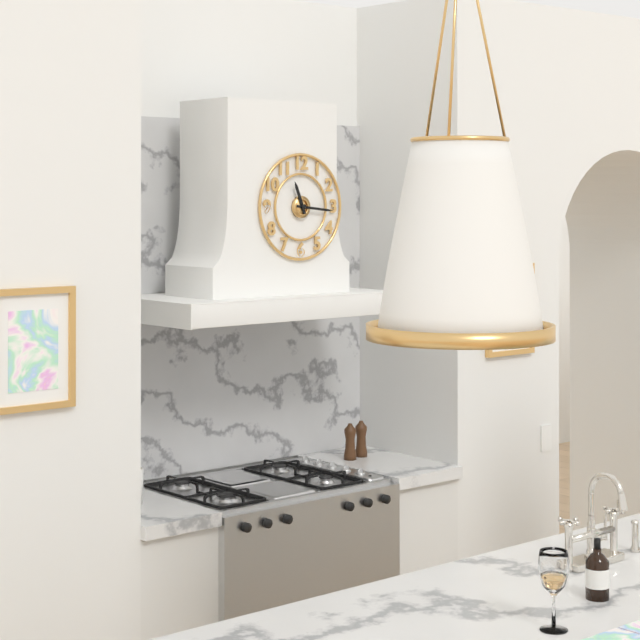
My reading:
**11:16**
